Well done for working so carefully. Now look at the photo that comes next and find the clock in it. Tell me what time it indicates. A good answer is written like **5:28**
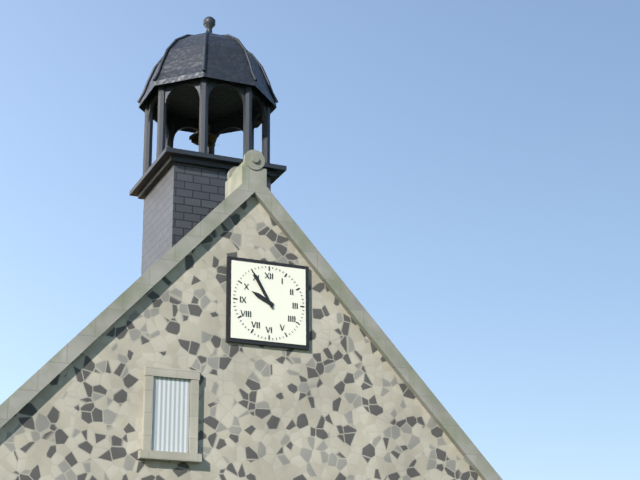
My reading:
**9:55**
